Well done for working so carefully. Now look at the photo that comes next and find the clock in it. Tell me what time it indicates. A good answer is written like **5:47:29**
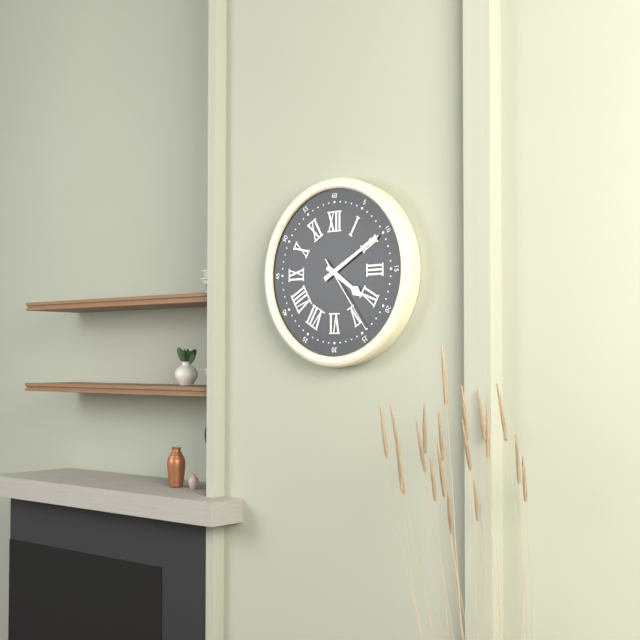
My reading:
**4:10:24**
